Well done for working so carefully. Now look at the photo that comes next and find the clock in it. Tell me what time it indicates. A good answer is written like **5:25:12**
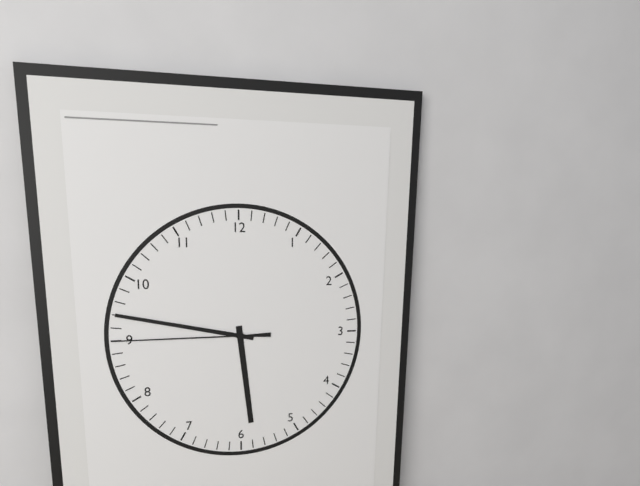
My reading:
**5:47:45**
